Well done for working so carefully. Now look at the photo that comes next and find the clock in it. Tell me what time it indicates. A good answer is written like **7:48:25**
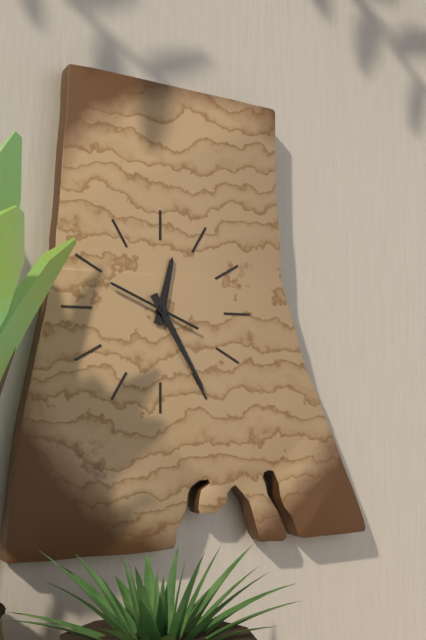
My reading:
**12:25:49**
